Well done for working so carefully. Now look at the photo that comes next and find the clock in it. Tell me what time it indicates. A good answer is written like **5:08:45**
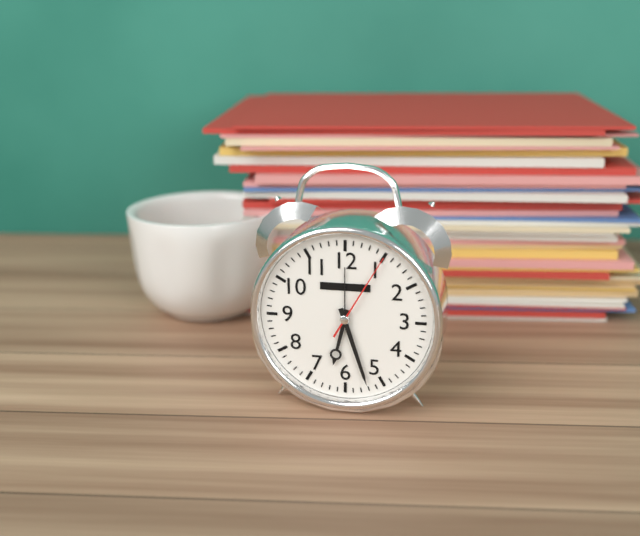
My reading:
**6:27:05**
